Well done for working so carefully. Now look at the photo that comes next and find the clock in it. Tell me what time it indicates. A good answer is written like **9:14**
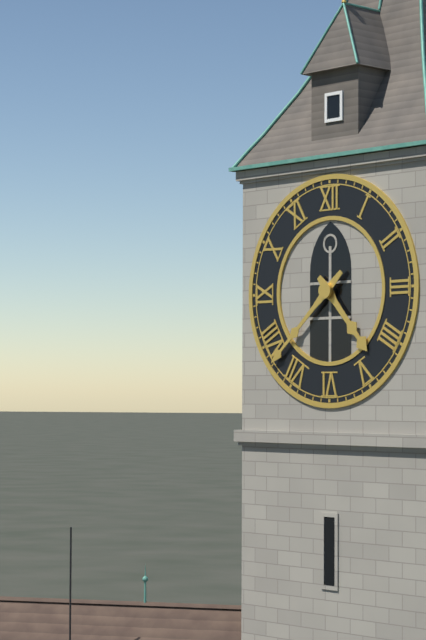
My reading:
**4:38**
